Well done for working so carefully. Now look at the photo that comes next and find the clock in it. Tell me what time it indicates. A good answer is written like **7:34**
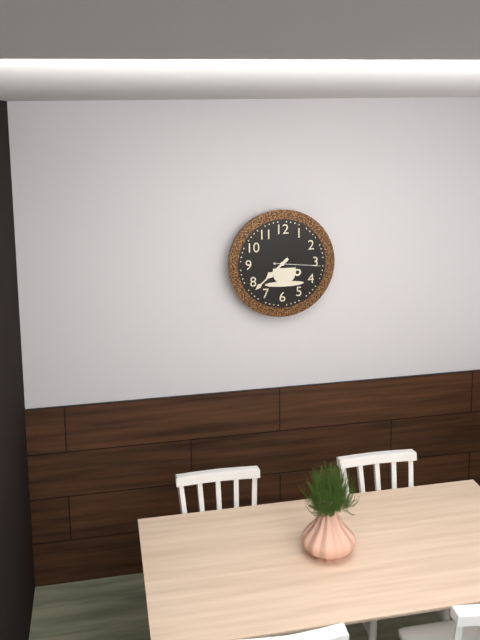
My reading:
**7:38**
